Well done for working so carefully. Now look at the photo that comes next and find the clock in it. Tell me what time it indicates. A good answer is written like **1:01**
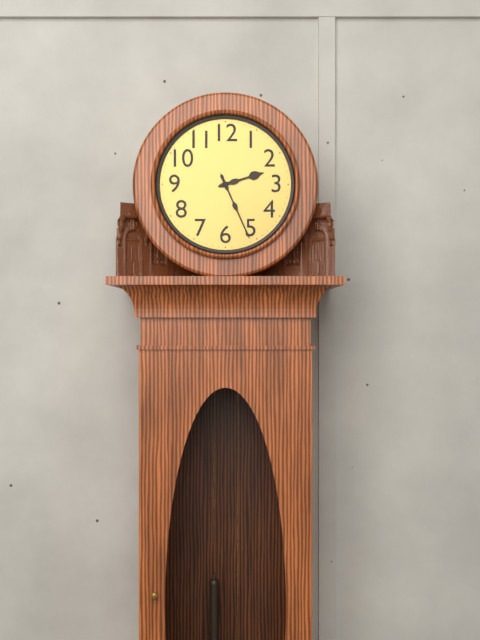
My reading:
**2:26**
